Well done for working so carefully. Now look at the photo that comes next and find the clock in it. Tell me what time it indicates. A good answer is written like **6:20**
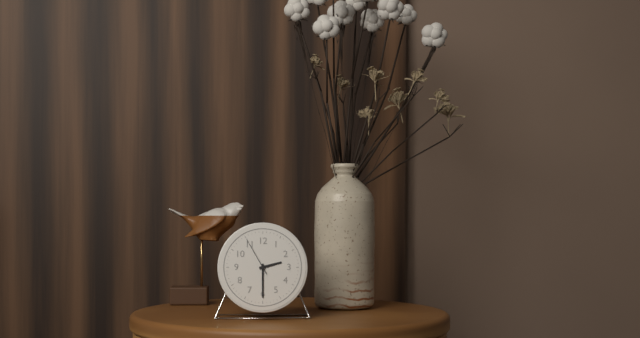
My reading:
**2:30**
